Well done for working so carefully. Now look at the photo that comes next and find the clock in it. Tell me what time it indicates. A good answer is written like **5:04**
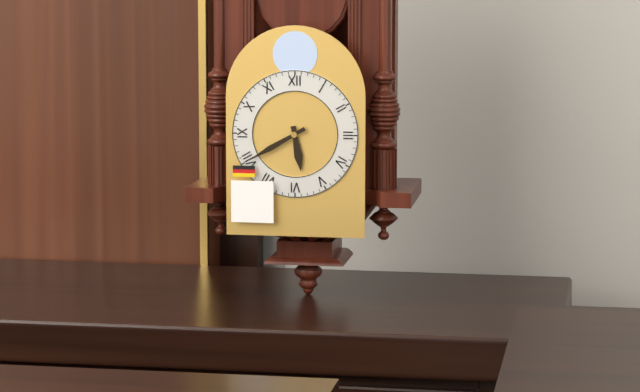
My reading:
**5:40**
